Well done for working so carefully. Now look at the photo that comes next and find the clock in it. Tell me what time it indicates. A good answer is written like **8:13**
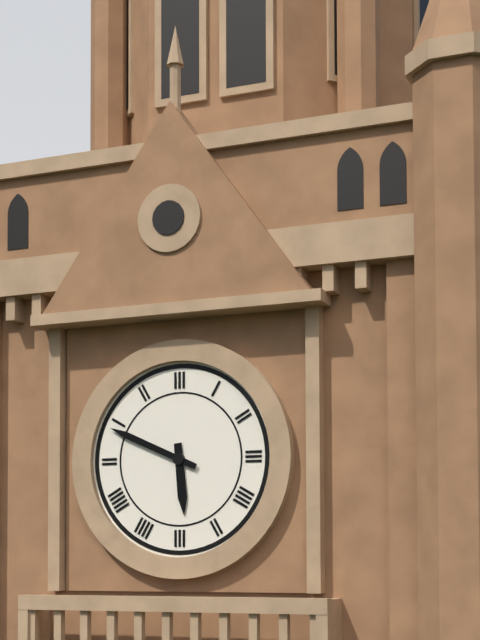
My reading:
**5:49**
